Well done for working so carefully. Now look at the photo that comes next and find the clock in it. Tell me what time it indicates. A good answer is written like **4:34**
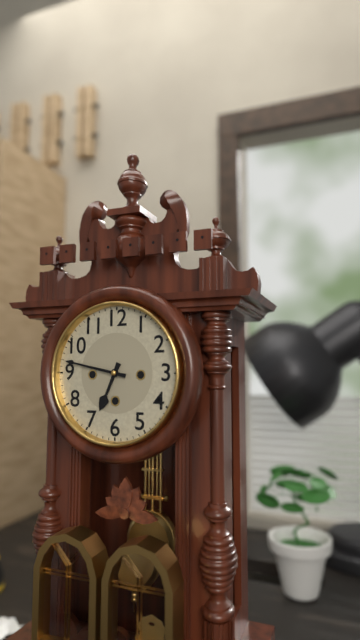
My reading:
**6:47**
